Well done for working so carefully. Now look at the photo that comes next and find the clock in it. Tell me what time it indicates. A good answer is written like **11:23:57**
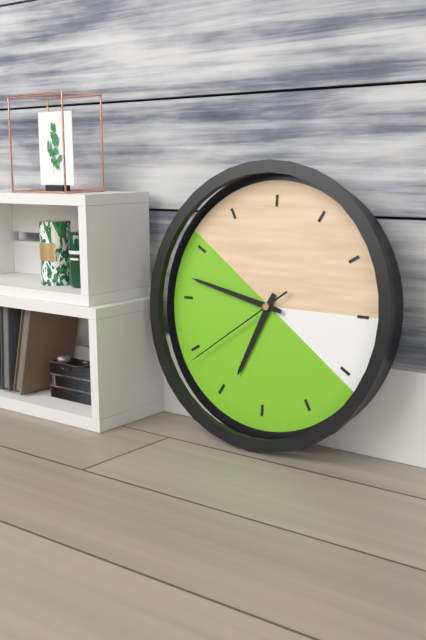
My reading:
**6:47:39**
